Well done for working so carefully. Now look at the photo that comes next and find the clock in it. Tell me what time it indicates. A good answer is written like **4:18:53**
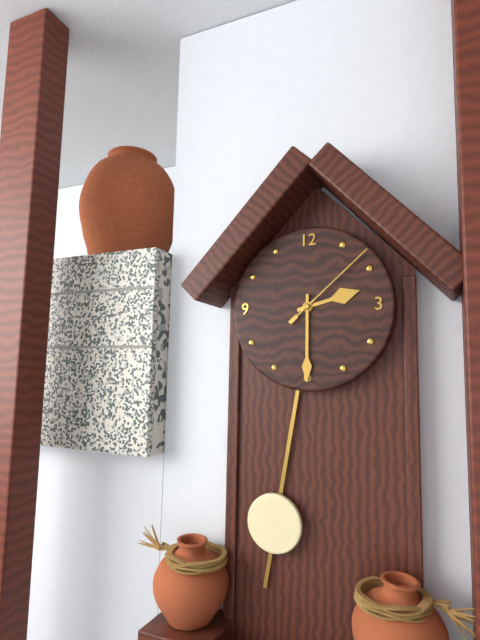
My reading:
**2:30:08**
